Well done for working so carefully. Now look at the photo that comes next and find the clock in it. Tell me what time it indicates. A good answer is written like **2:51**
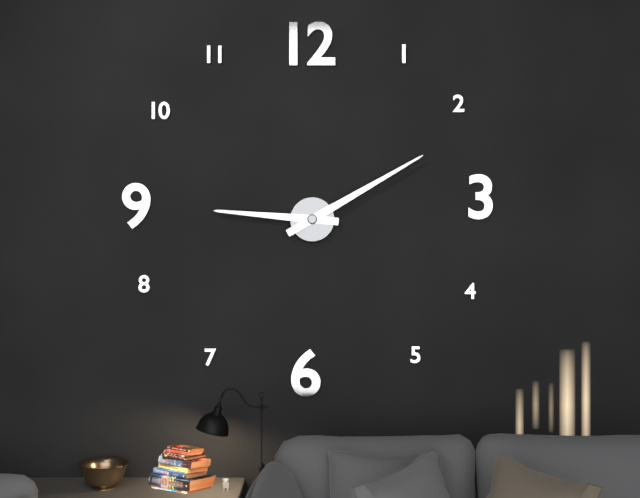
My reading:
**9:10**
